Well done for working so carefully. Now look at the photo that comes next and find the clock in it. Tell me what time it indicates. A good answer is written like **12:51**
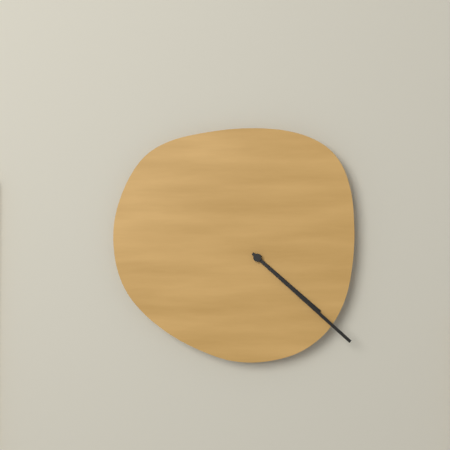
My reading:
**4:22**
